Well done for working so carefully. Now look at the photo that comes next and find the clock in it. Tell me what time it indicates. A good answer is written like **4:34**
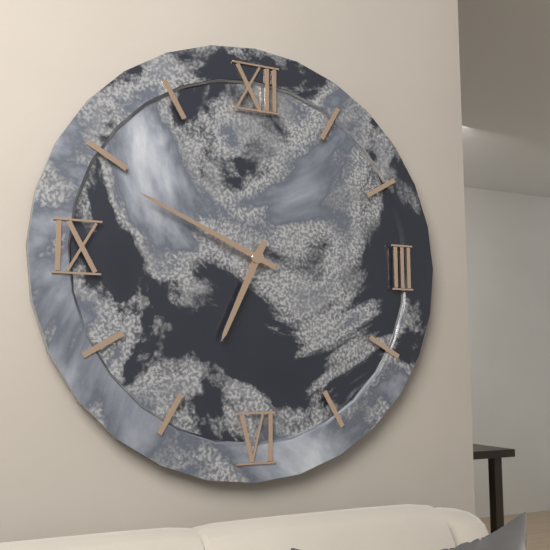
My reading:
**6:49**
